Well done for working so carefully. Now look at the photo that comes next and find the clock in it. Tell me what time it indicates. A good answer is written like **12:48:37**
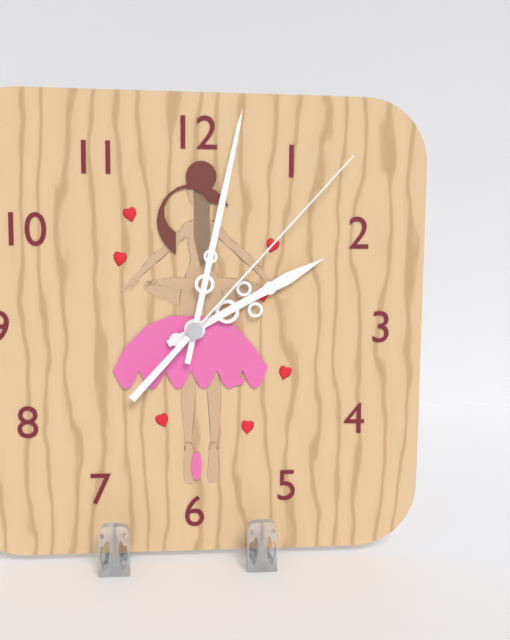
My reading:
**2:02:07**
